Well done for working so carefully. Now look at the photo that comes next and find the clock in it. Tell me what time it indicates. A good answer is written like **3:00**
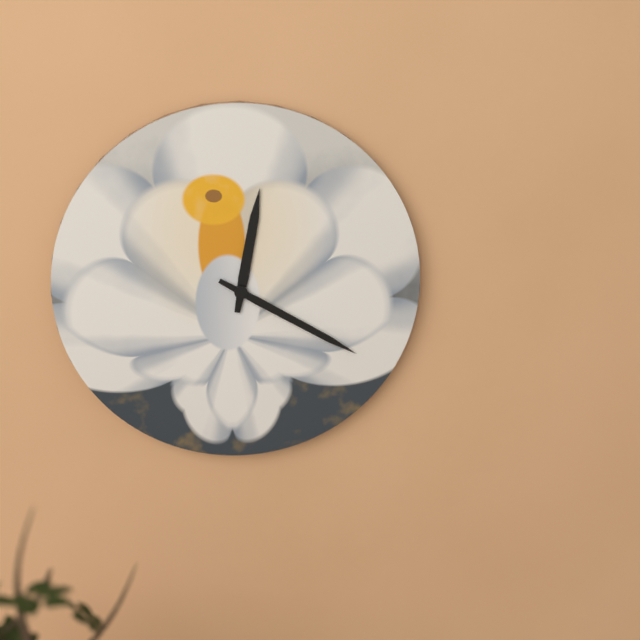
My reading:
**12:20**
